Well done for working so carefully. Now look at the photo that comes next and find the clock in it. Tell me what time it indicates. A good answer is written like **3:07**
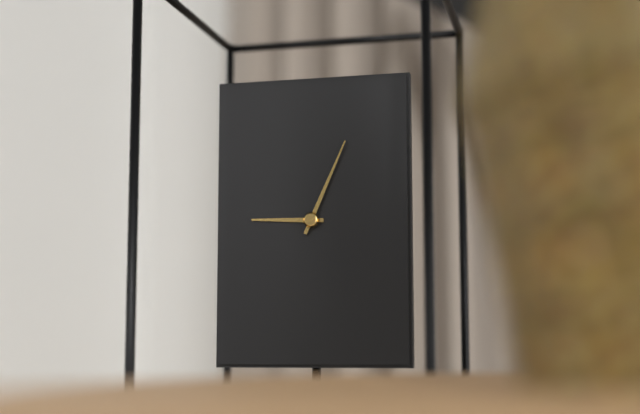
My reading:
**9:04**
